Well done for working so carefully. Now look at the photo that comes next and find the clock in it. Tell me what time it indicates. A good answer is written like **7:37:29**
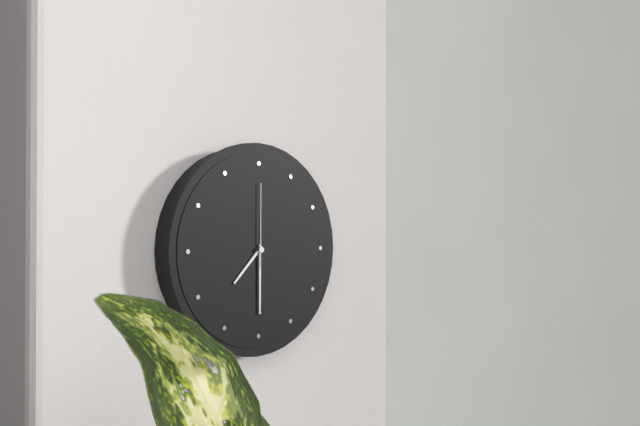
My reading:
**7:30:00**
